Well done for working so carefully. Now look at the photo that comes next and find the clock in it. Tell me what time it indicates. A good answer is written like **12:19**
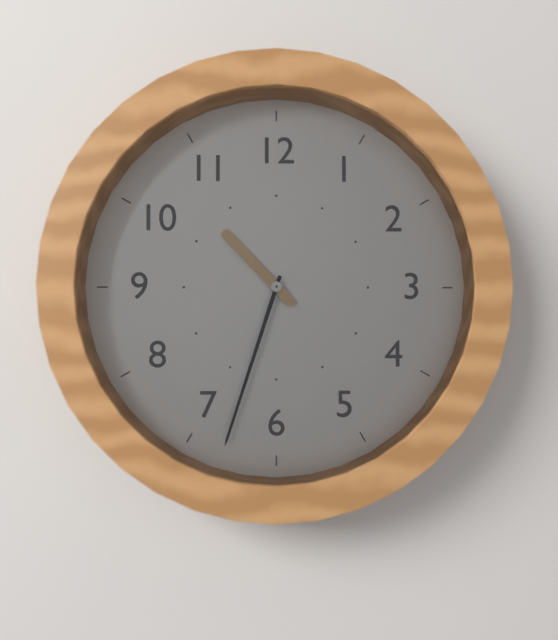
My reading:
**10:33**
